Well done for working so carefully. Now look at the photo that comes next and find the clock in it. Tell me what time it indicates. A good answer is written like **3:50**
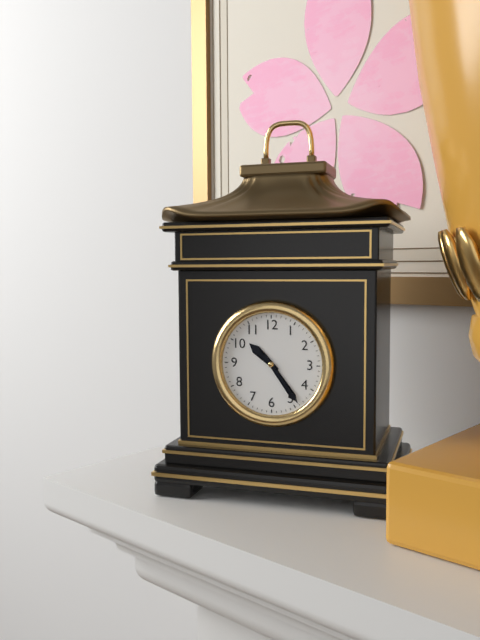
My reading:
**10:24**
